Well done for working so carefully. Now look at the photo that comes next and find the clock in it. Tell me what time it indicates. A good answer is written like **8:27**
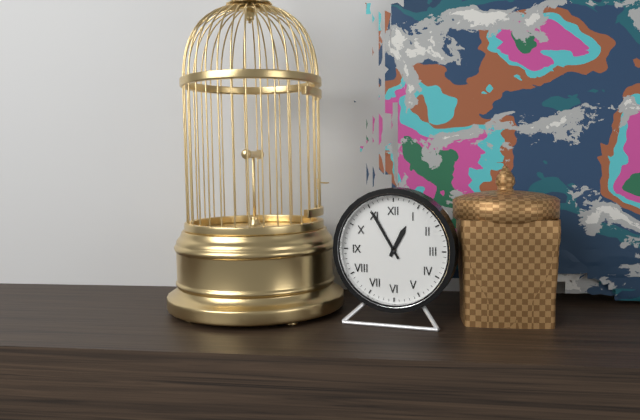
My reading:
**12:55**
